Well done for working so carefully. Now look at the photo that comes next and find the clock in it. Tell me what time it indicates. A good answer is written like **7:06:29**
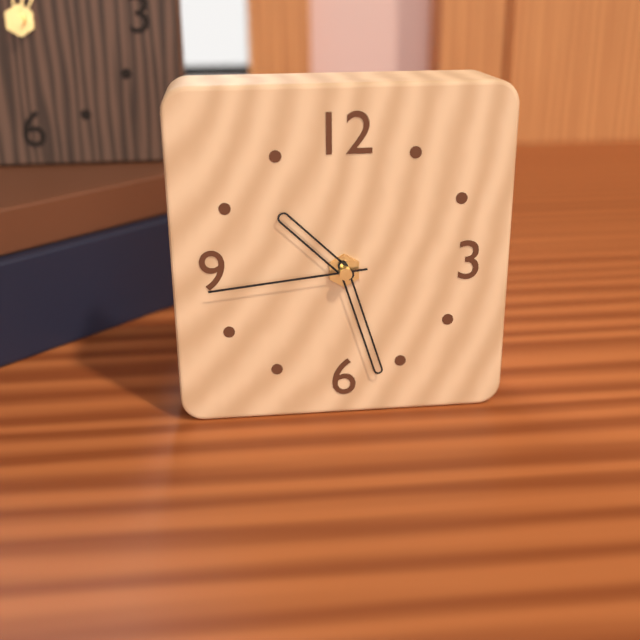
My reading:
**10:27:44**
